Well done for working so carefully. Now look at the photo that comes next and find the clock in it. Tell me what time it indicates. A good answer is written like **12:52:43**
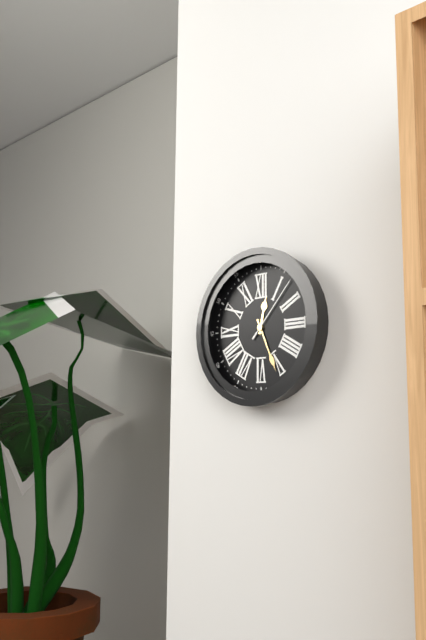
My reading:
**12:26:07**
